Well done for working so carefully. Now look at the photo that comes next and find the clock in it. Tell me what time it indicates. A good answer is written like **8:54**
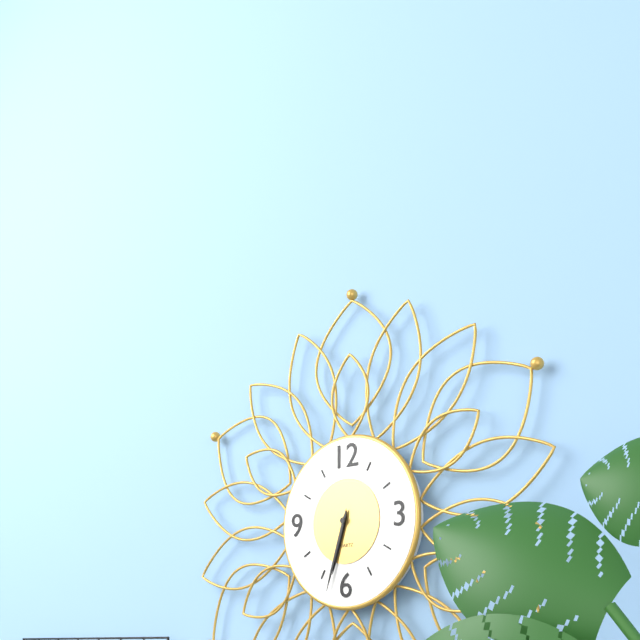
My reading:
**6:33**
